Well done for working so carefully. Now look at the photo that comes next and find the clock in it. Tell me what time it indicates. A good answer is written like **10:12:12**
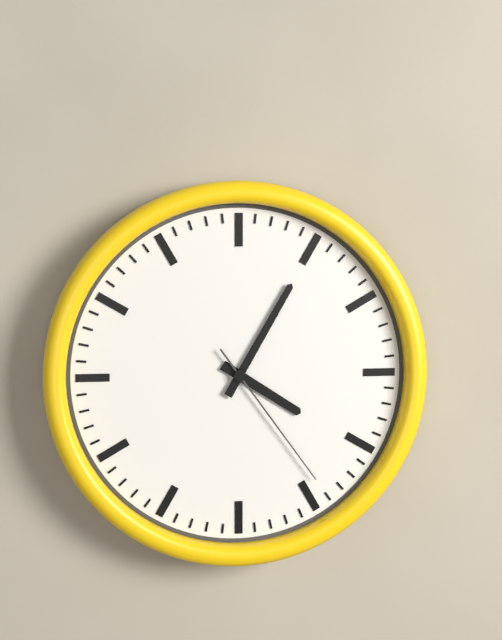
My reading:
**4:05:24**
